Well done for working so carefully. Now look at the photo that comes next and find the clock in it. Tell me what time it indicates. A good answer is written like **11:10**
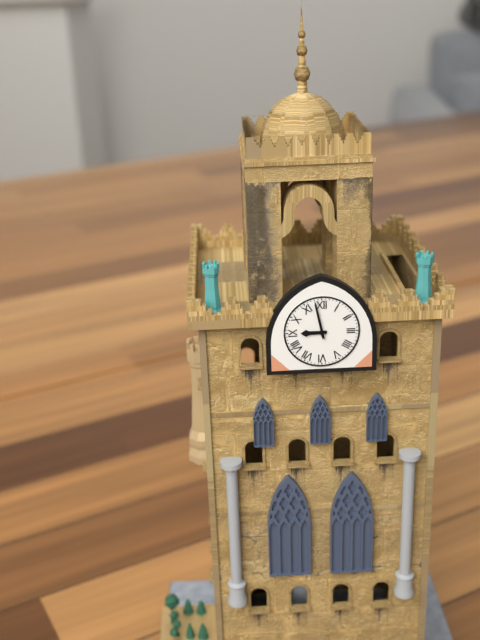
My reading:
**8:58**
